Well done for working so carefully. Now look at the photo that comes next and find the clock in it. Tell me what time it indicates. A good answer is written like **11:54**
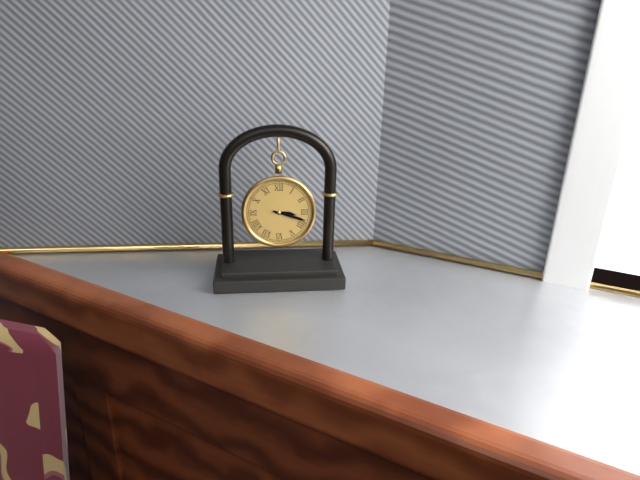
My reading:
**3:18**
